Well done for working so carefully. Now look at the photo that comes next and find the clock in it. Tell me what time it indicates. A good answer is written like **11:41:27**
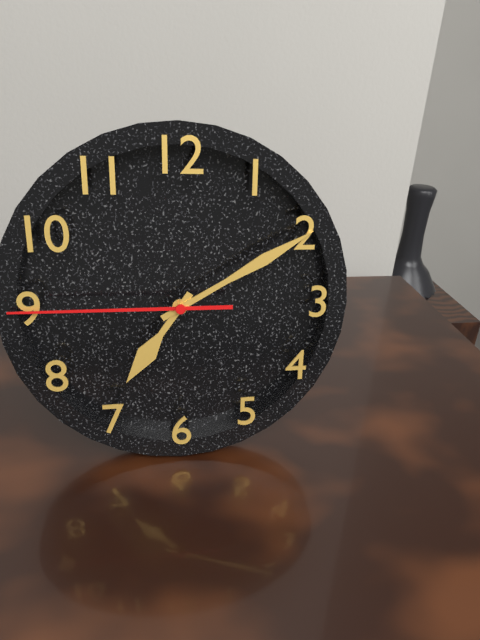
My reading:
**7:10:45**
